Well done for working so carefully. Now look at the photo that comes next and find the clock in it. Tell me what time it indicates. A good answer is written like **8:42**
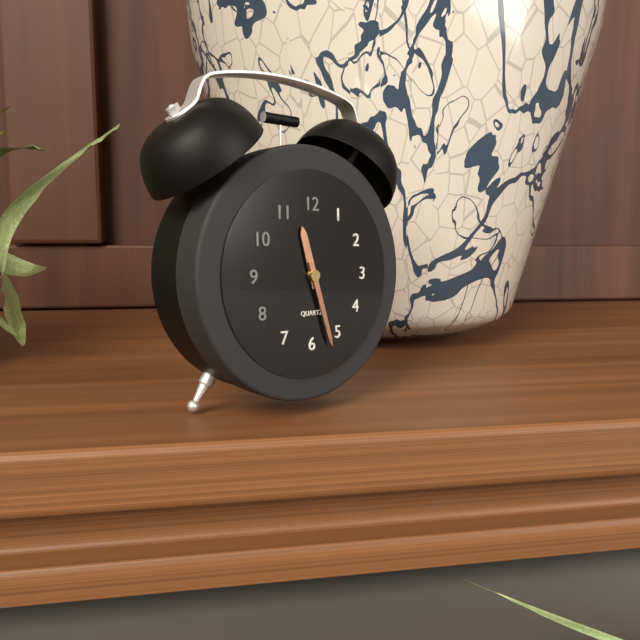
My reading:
**11:27**
